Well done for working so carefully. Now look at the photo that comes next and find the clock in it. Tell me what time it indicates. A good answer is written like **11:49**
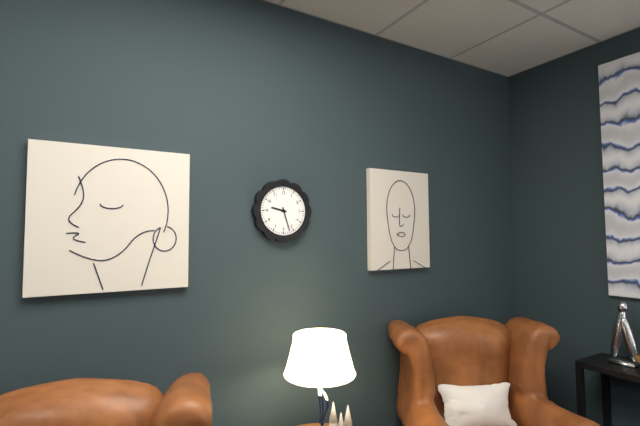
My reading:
**9:27**
